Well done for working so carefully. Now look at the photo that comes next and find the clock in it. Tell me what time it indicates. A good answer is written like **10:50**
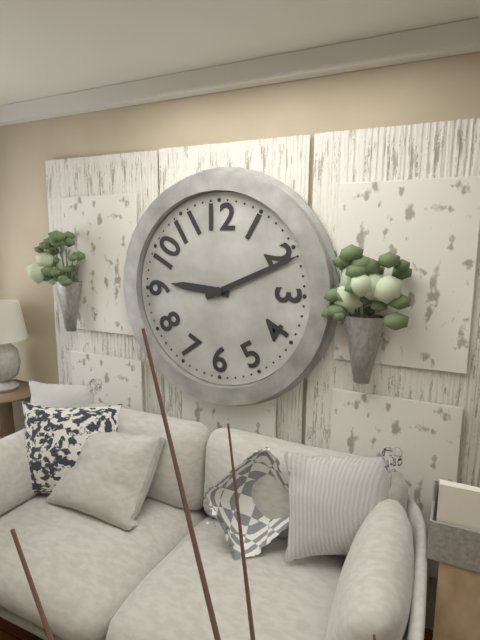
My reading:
**9:11**
